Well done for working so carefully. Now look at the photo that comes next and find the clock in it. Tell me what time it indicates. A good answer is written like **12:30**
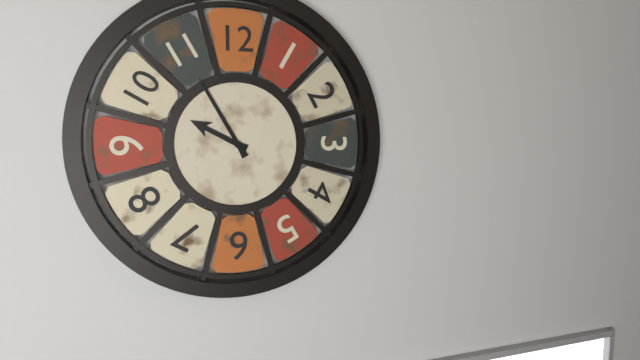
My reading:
**9:55**
